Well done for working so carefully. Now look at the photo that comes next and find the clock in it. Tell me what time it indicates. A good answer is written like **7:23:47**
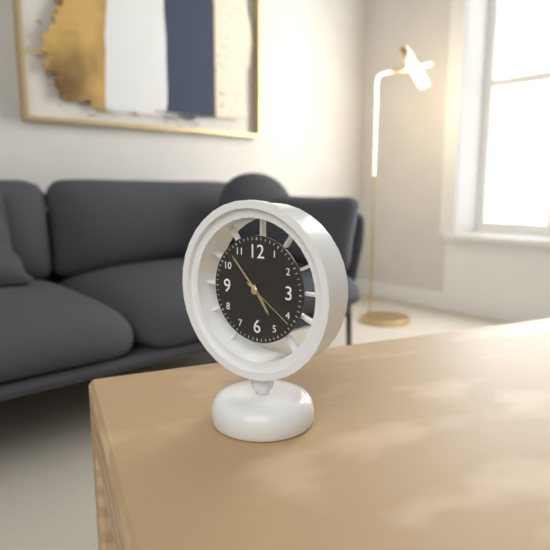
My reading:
**4:53:21**
